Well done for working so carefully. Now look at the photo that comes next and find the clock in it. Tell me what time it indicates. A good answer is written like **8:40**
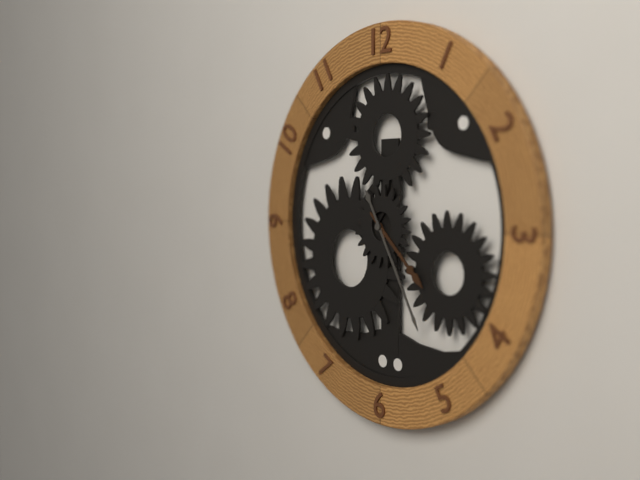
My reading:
**4:25**
